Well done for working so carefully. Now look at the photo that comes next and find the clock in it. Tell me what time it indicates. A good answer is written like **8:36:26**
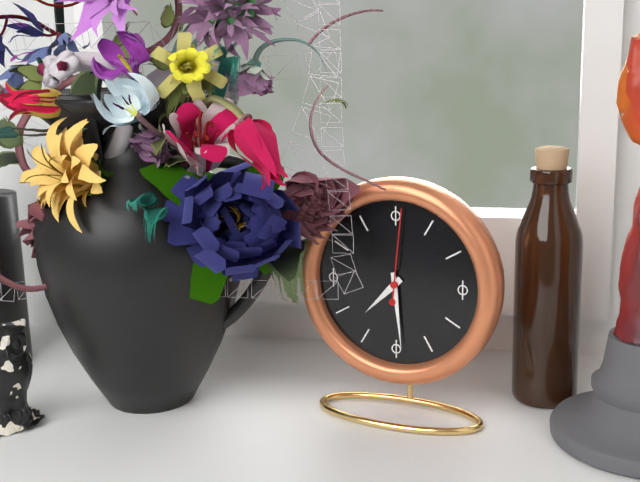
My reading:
**7:29:01**
